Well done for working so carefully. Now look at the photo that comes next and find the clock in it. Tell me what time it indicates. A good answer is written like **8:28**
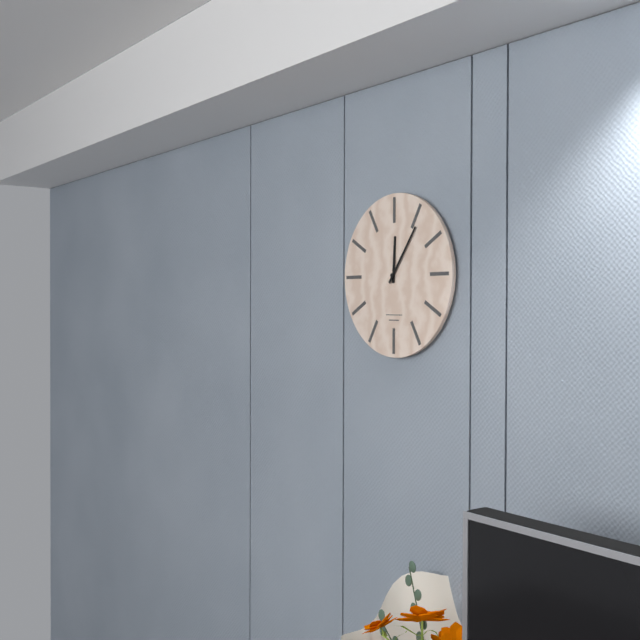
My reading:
**12:06**
